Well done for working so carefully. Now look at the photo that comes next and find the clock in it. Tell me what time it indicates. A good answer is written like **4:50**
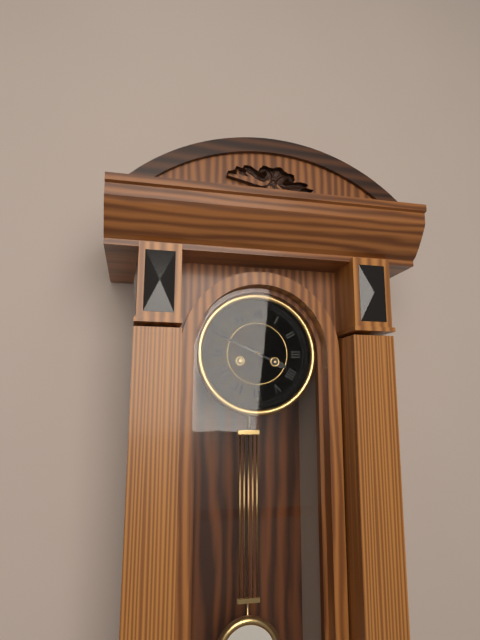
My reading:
**3:49**
